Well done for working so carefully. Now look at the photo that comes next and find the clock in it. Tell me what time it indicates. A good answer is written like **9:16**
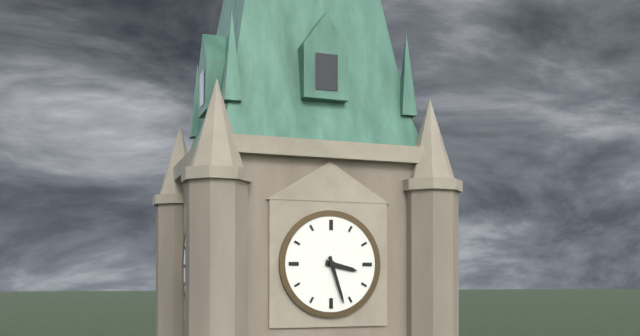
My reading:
**3:27**
